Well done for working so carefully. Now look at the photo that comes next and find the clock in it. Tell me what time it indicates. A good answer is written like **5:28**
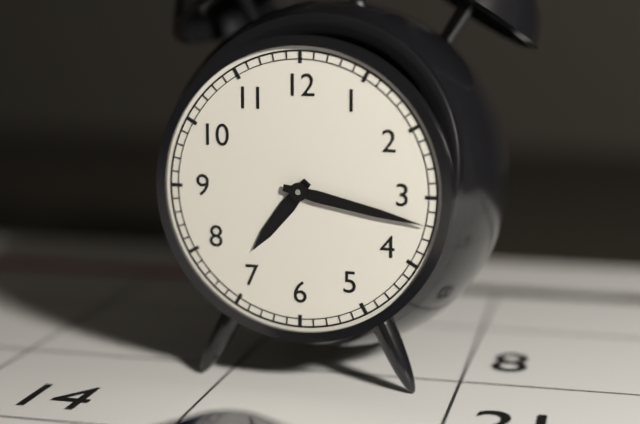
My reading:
**7:17**
